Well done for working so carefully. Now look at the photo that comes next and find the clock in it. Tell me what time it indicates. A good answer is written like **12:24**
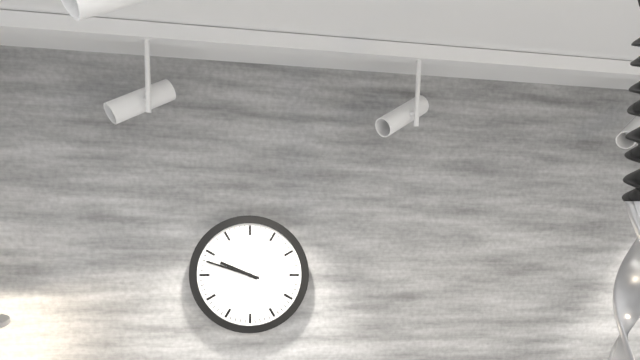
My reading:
**9:48**
